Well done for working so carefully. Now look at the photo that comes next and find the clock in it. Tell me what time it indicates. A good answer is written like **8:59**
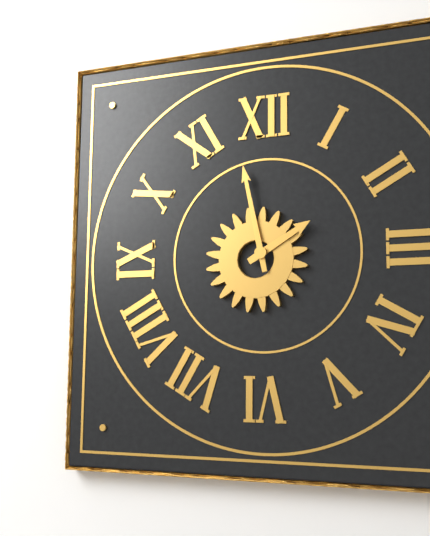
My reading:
**1:58**
